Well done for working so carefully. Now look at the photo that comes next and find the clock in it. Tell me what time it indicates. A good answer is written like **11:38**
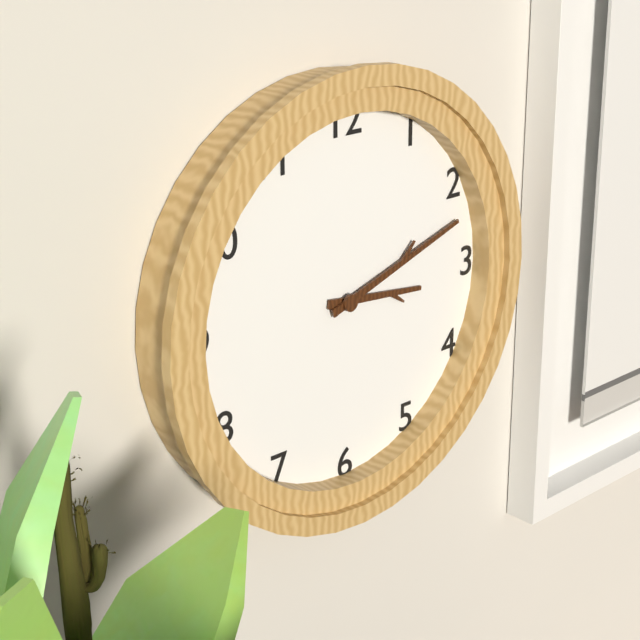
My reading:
**3:12**
